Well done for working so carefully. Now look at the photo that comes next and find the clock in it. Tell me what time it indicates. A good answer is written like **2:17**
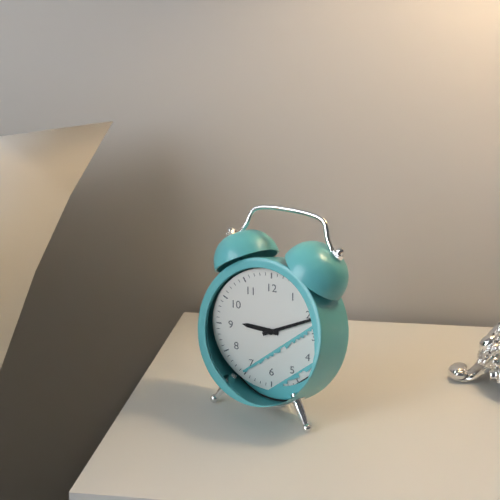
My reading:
**9:11**
